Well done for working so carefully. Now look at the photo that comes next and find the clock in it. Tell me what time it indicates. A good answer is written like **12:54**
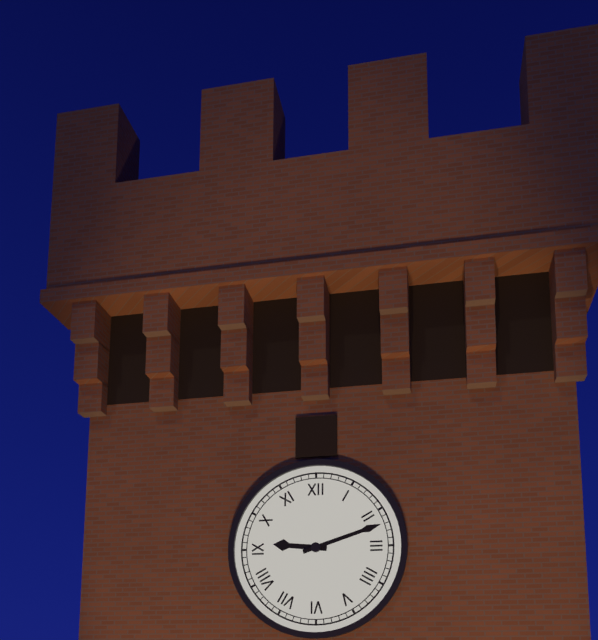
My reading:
**9:12**
